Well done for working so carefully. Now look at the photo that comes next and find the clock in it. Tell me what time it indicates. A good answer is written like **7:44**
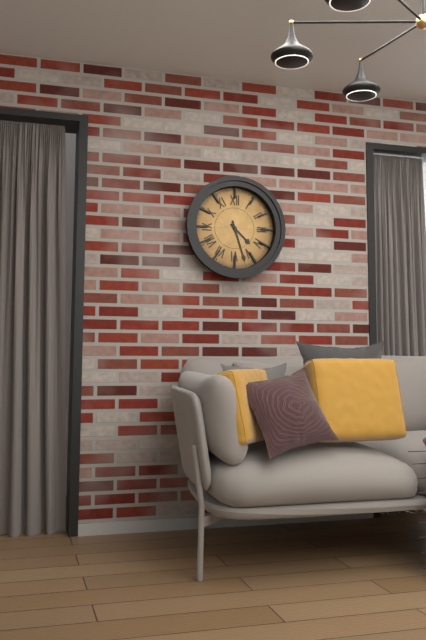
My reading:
**4:27**
